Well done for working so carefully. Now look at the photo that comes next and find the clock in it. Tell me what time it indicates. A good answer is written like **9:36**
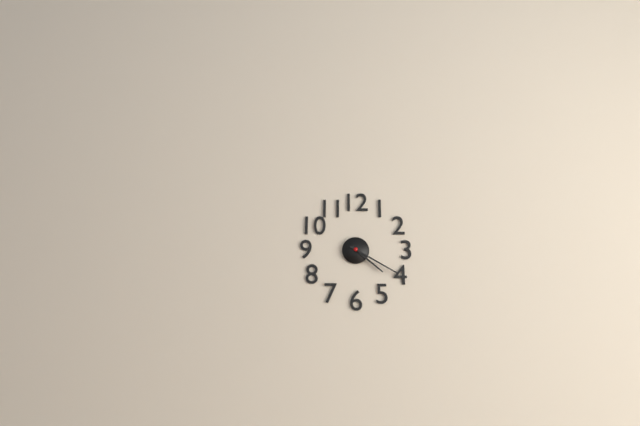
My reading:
**4:20**
